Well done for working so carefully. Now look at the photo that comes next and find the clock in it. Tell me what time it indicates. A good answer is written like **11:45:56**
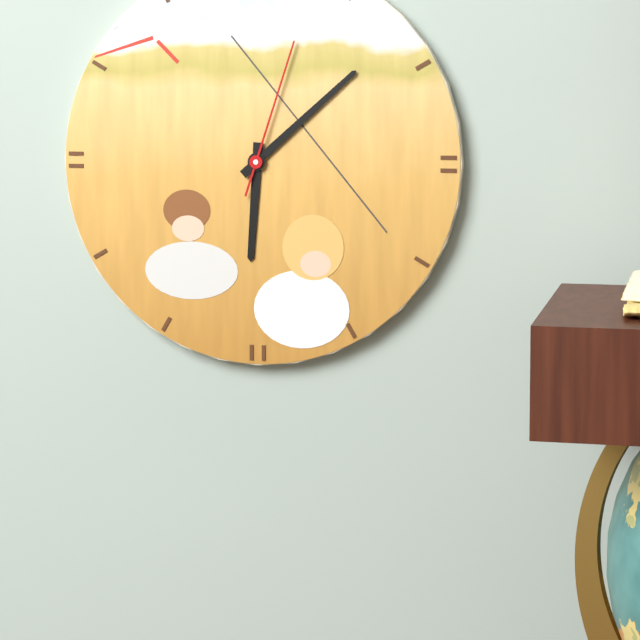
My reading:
**6:08:03**
